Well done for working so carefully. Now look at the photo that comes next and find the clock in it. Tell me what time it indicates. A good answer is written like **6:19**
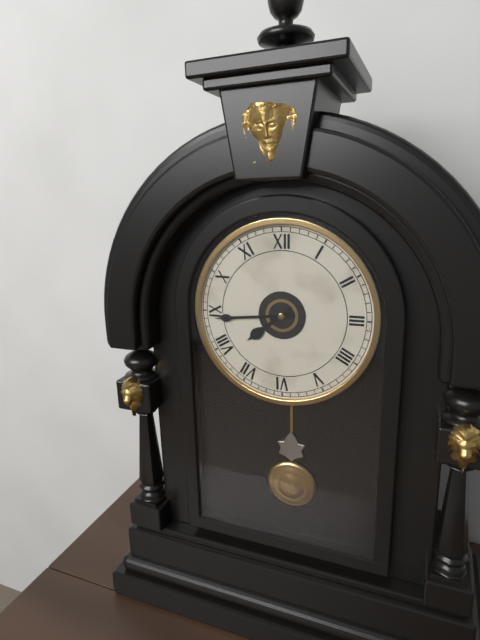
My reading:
**7:44**
